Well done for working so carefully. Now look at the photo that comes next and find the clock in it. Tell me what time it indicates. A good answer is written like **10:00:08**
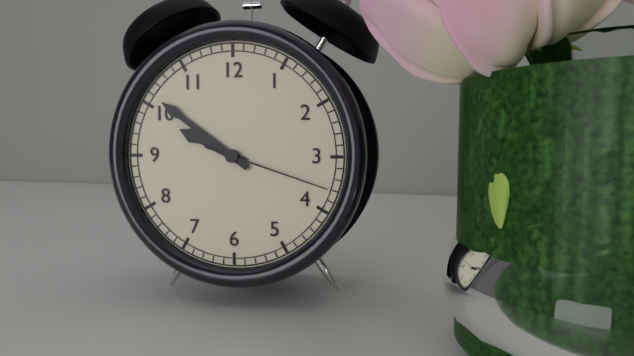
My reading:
**9:51:18**
